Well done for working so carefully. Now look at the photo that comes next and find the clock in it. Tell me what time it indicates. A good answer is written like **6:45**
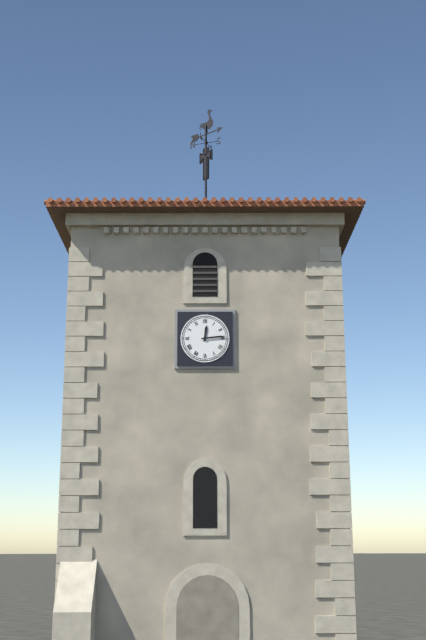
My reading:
**12:14**
